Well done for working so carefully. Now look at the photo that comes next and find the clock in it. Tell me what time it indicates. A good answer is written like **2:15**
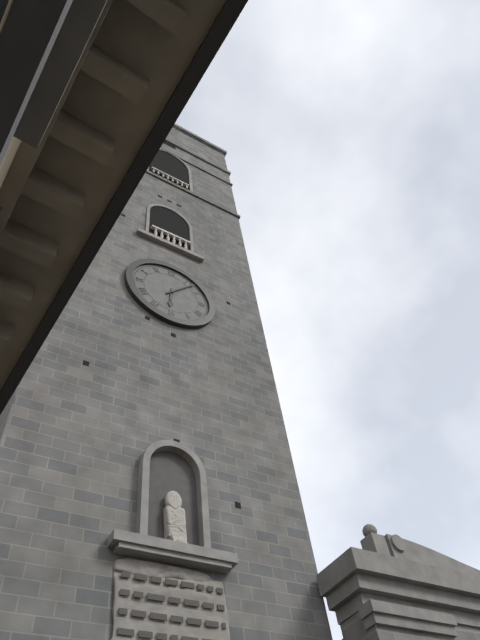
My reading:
**6:07**
